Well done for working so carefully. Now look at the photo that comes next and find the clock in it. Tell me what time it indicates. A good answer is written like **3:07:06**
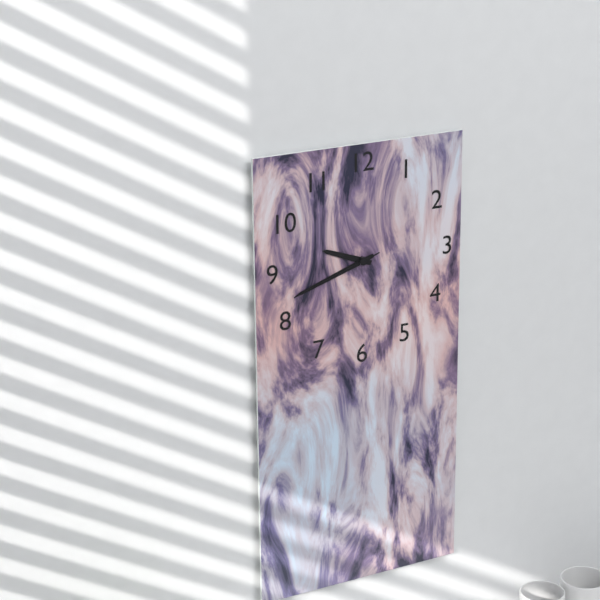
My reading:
**9:42:42**
